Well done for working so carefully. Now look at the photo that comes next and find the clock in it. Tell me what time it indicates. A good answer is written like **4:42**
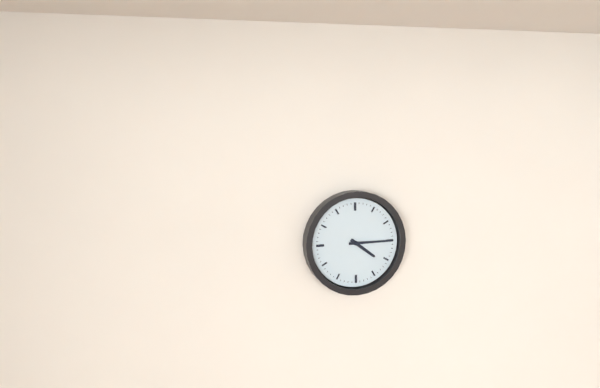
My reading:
**4:15**
